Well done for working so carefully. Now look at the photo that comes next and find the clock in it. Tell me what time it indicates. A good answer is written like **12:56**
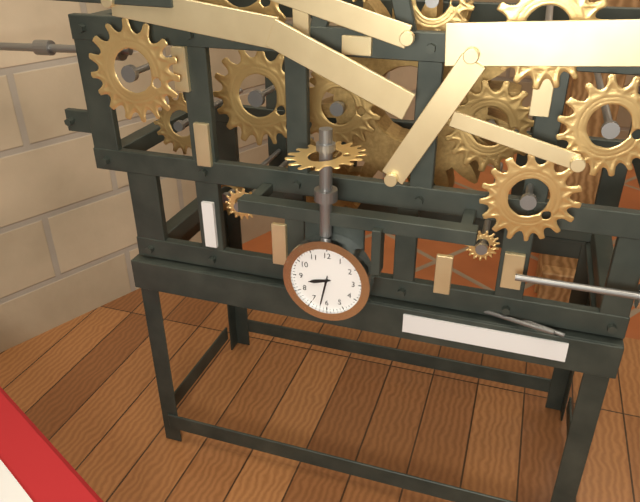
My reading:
**8:32**
